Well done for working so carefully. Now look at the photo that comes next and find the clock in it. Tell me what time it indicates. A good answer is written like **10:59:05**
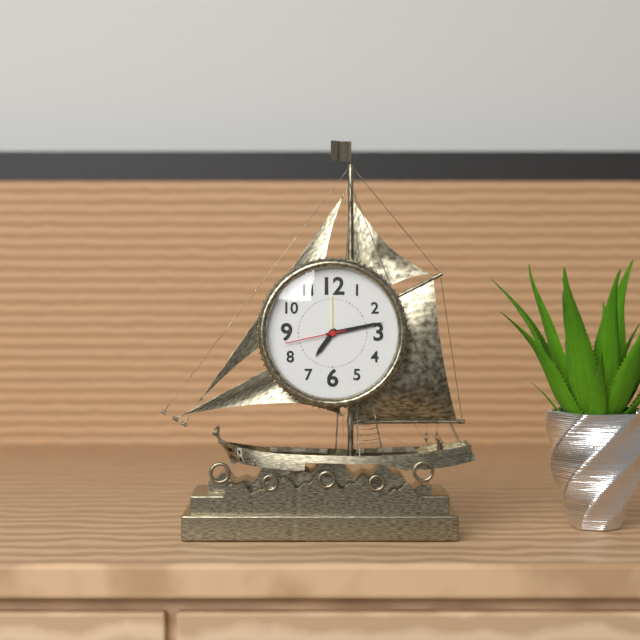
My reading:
**7:13:43**
